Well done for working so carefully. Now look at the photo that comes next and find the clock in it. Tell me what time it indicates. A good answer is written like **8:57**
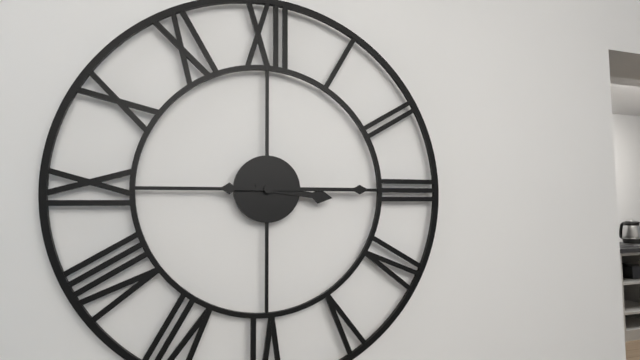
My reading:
**3:15**
